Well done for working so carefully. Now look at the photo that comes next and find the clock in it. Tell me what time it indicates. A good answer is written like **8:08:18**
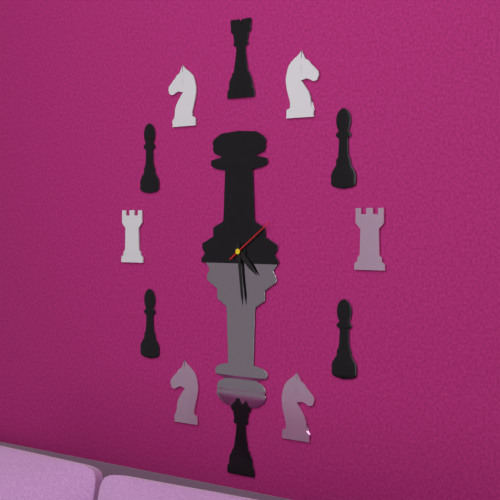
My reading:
**4:29:09**
